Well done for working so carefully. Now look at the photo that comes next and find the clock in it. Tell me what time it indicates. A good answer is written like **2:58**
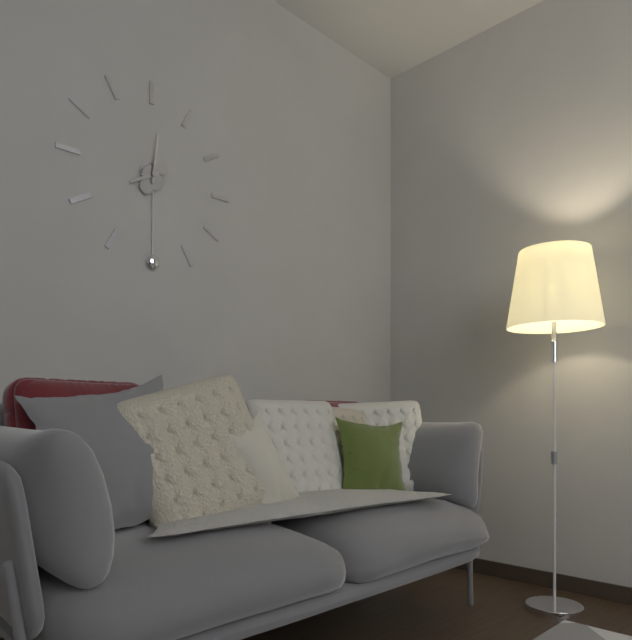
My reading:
**8:01**
